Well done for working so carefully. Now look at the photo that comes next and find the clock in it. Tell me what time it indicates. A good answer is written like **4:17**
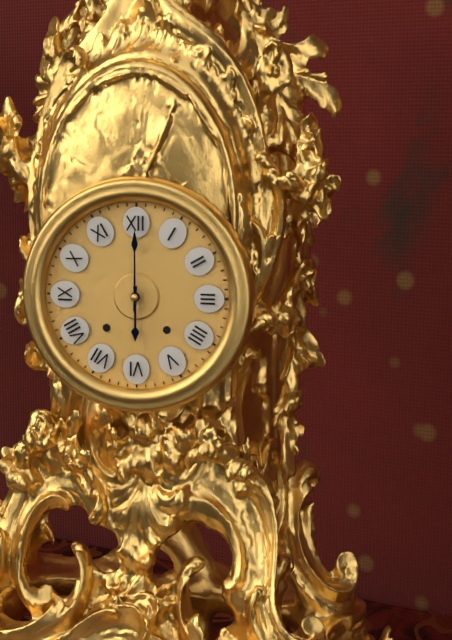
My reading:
**6:00**
